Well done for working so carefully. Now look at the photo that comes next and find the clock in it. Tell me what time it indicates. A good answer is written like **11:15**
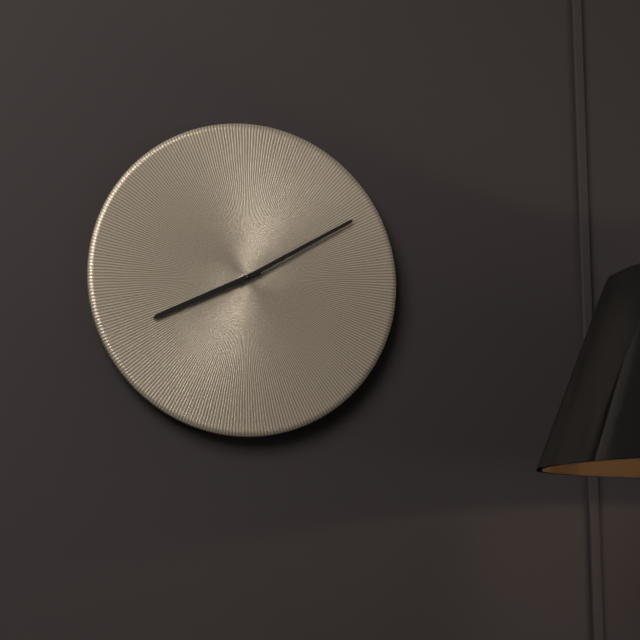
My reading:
**8:10**
